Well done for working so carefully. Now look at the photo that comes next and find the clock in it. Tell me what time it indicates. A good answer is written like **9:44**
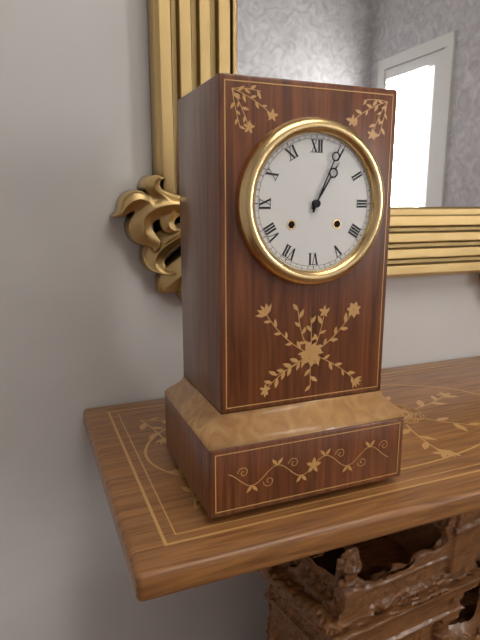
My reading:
**1:04**
